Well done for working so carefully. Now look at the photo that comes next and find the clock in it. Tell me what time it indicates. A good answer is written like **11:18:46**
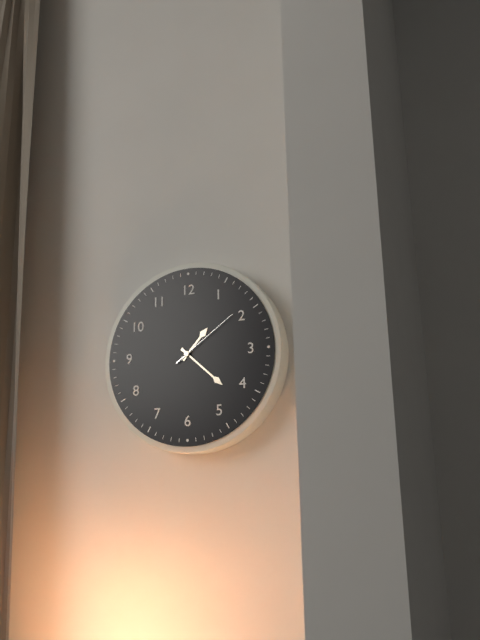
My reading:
**1:22:09**
